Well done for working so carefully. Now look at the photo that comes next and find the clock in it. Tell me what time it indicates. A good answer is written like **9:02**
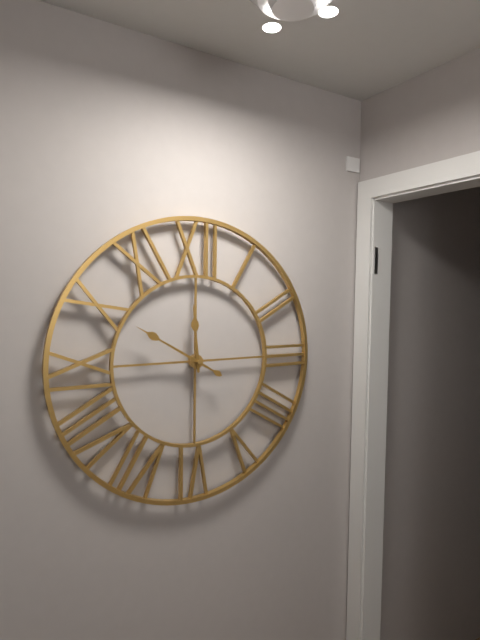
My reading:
**11:50**
